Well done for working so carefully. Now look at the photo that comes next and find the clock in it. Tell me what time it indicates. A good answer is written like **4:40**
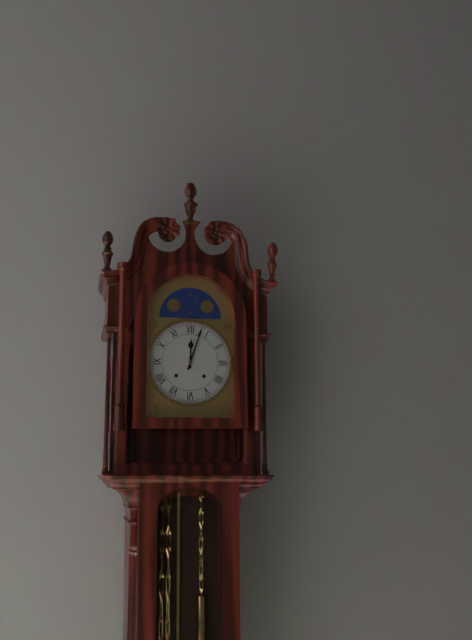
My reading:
**12:03**
